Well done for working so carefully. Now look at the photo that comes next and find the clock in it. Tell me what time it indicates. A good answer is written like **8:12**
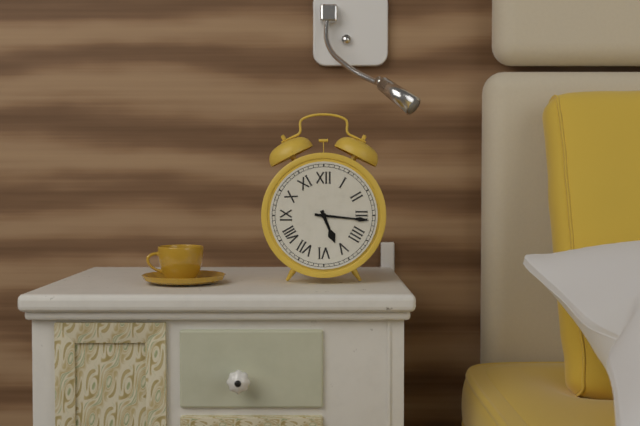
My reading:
**5:16**
